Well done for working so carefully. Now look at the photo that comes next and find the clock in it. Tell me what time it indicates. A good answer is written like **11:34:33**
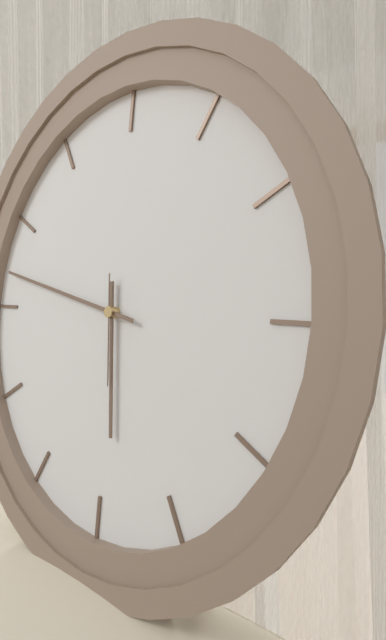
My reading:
**5:47:29**
